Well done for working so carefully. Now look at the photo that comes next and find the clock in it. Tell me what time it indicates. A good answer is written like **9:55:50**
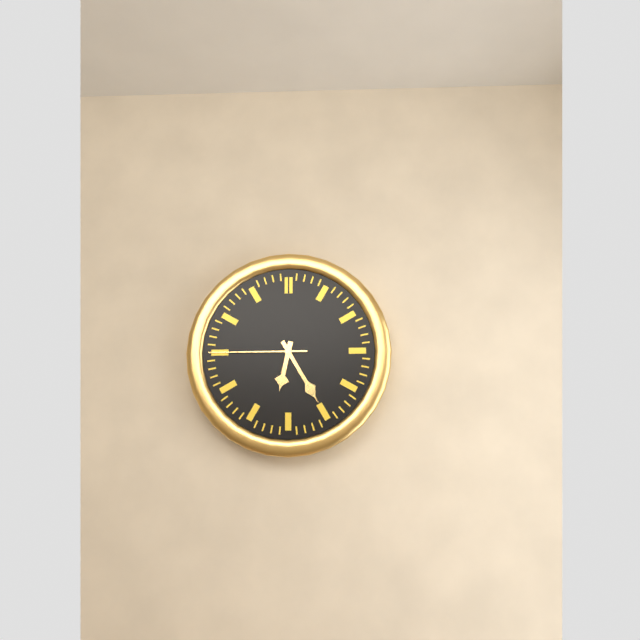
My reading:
**6:25:45**
